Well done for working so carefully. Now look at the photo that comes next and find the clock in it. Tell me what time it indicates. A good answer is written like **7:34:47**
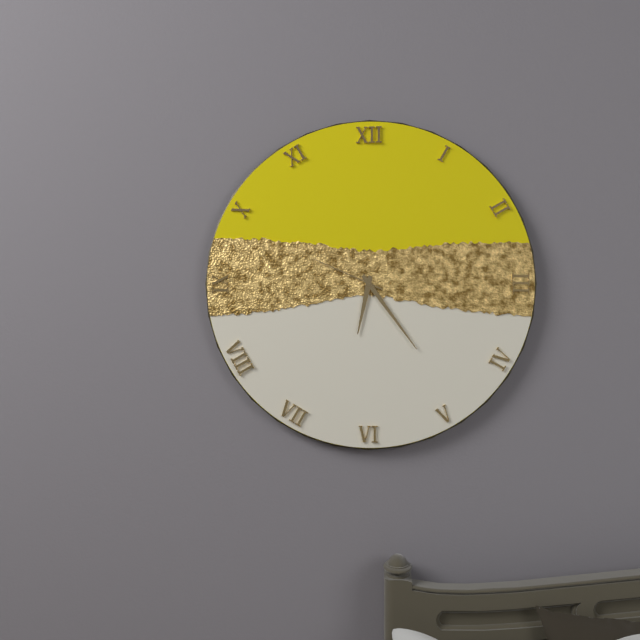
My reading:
**6:24:49**
